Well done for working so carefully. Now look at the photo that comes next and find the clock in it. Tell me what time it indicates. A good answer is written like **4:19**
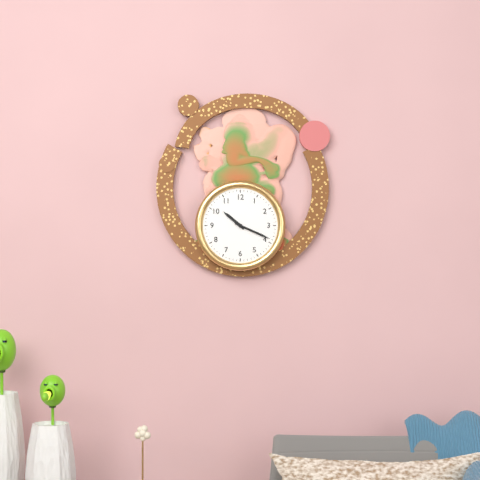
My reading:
**10:19**
